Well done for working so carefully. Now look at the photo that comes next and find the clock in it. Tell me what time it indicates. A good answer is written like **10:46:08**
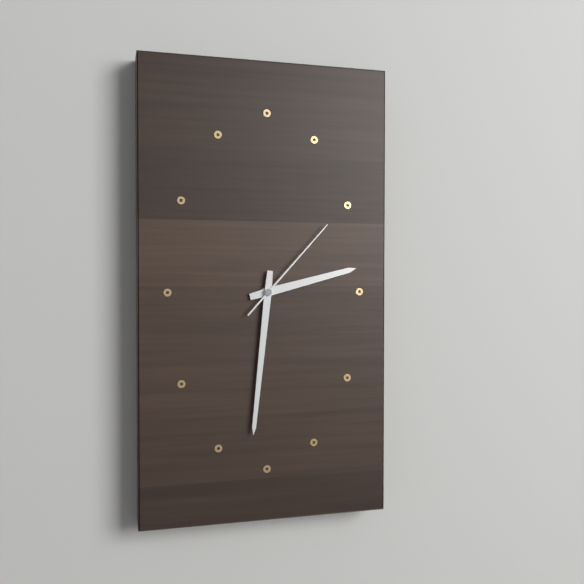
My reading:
**2:31:07**
